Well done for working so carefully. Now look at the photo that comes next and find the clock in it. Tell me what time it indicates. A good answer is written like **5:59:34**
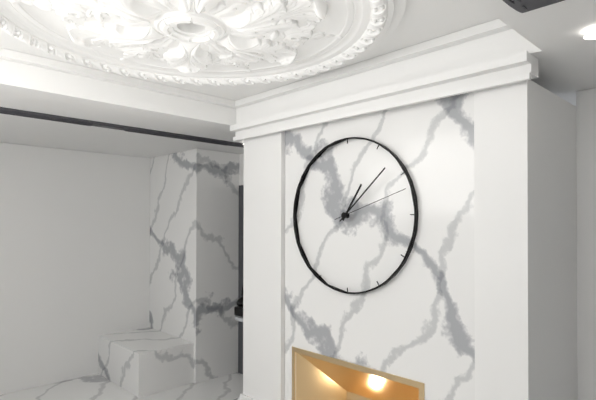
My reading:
**1:08:12**
